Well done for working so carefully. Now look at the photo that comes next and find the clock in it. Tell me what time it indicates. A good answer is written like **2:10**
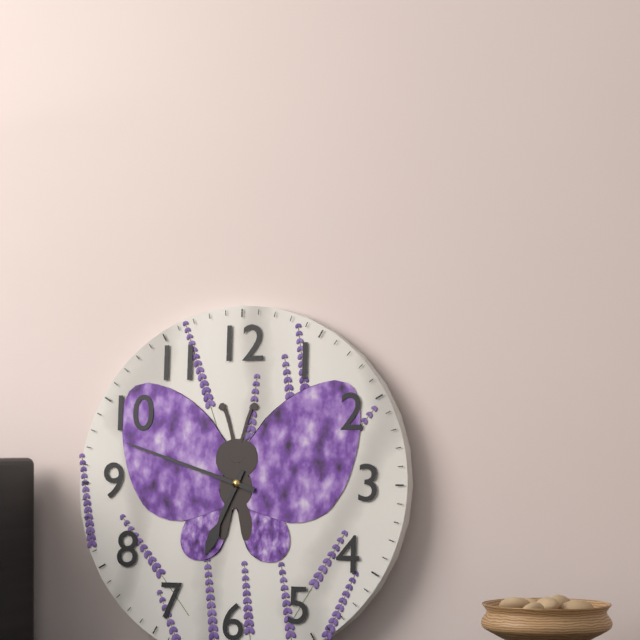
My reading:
**6:48**
